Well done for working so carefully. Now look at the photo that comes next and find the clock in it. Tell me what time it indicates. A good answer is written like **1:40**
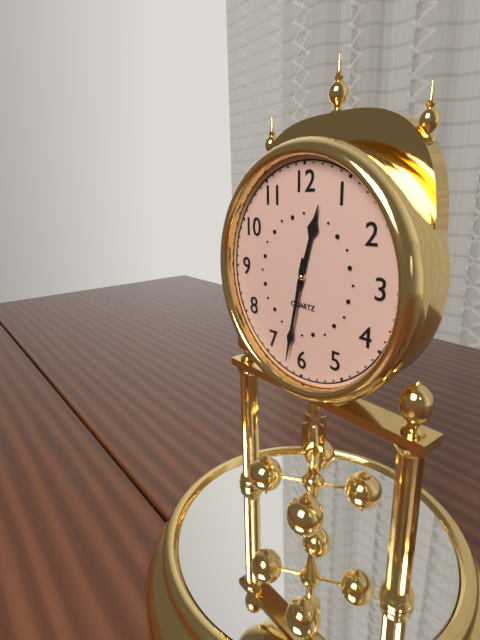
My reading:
**12:32**
